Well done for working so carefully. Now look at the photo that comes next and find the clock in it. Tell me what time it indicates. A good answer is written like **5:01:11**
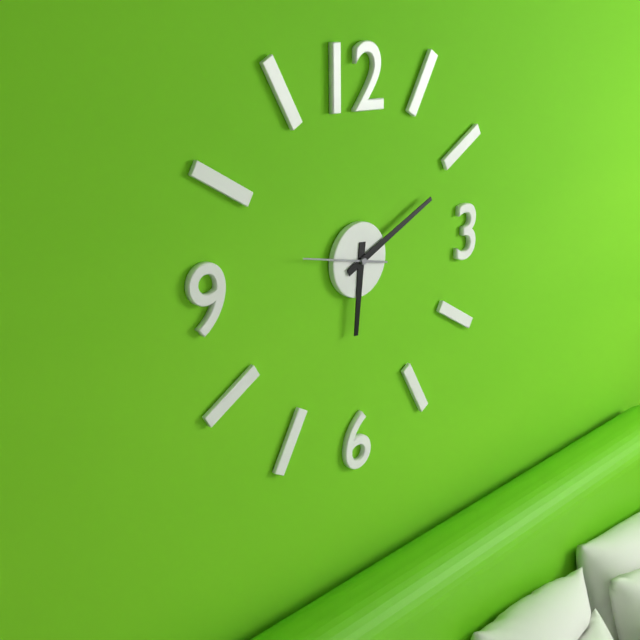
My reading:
**6:11:47**
